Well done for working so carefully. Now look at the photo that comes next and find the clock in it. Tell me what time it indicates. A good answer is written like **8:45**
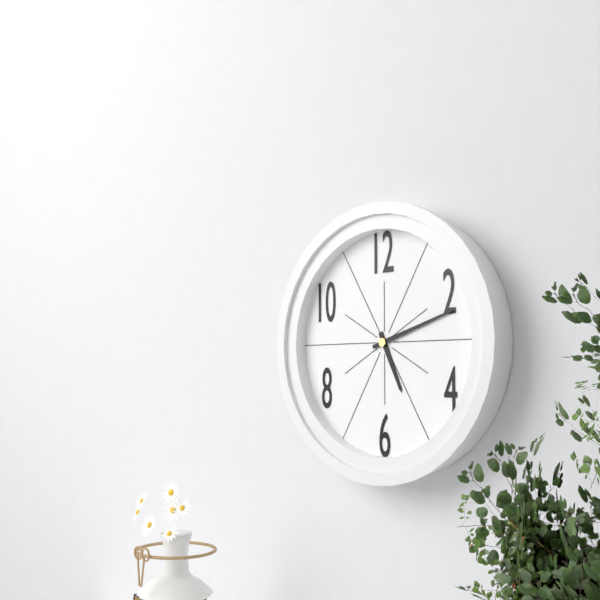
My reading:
**5:12**
